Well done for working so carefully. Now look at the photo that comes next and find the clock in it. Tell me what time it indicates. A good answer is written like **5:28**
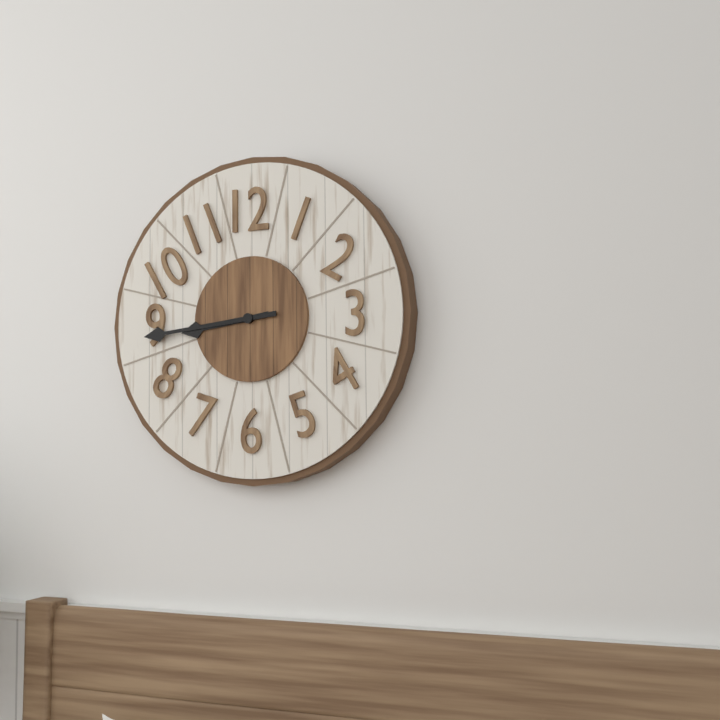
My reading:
**8:44**
